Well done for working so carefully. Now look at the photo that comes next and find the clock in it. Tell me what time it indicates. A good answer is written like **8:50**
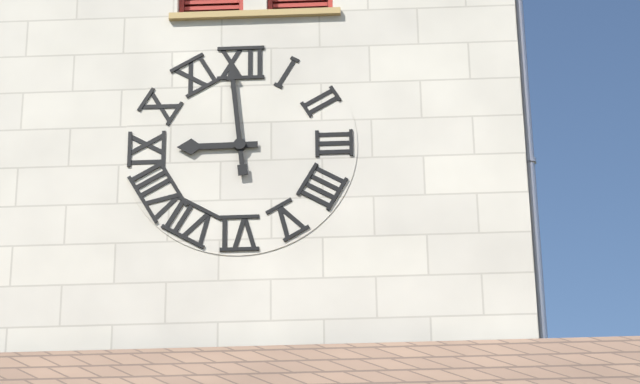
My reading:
**8:59**
